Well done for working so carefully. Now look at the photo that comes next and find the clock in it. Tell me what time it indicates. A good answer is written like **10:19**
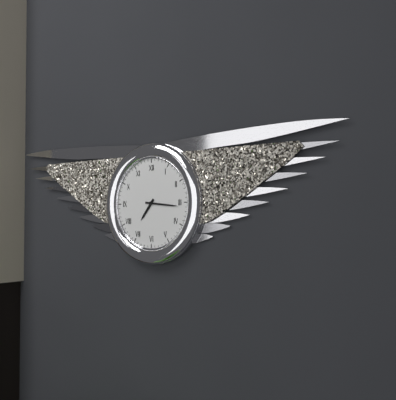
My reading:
**7:16**
